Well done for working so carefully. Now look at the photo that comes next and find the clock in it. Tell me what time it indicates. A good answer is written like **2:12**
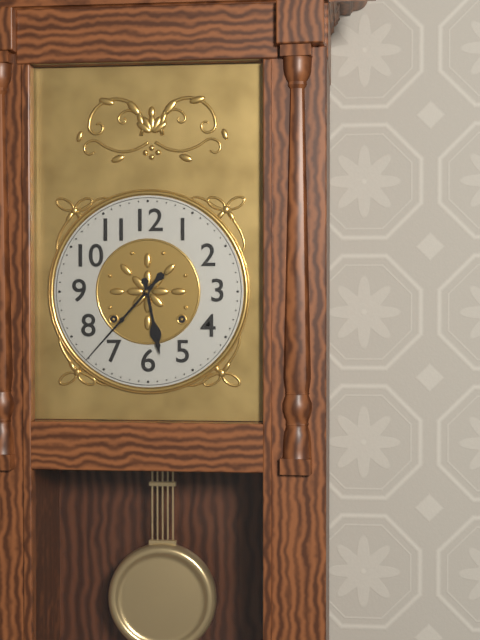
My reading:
**5:37**
